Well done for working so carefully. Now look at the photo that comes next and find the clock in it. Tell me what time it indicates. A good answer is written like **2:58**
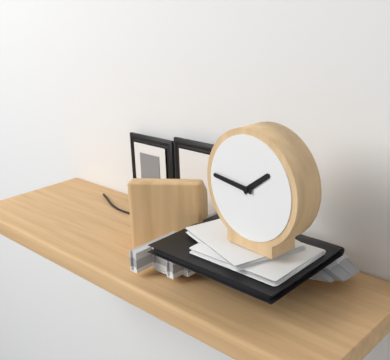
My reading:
**1:46**
